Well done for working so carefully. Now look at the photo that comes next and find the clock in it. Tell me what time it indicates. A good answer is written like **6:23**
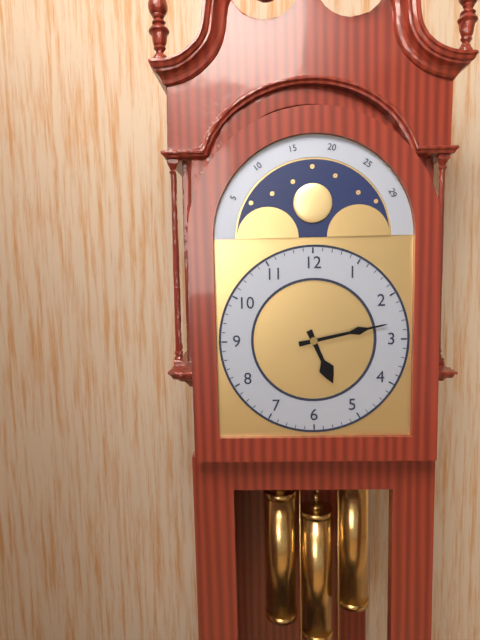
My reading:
**5:13**
